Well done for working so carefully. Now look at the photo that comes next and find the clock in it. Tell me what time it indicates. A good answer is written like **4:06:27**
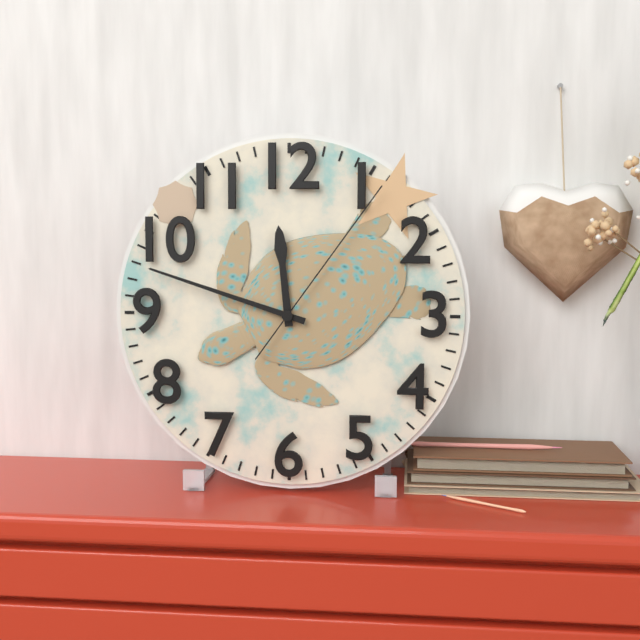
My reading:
**11:48:06**
